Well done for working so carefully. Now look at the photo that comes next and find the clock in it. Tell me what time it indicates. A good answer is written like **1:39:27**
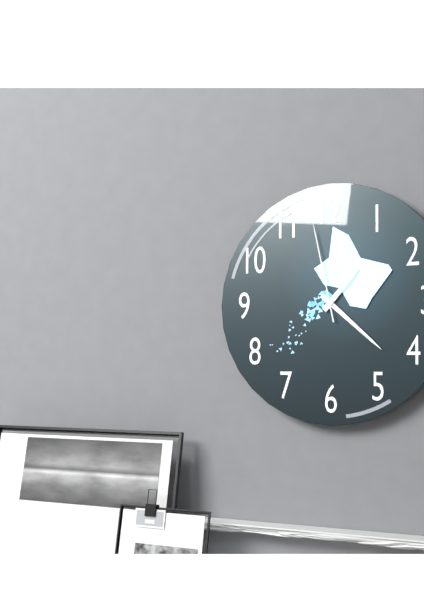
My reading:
**1:22:58**
